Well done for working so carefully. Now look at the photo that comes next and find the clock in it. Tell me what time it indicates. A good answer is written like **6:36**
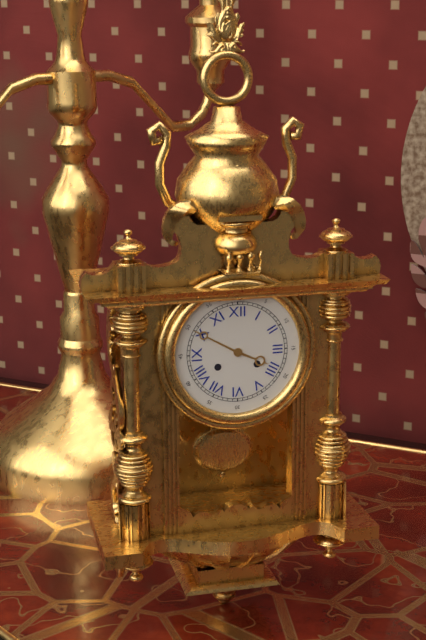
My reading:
**3:50**
